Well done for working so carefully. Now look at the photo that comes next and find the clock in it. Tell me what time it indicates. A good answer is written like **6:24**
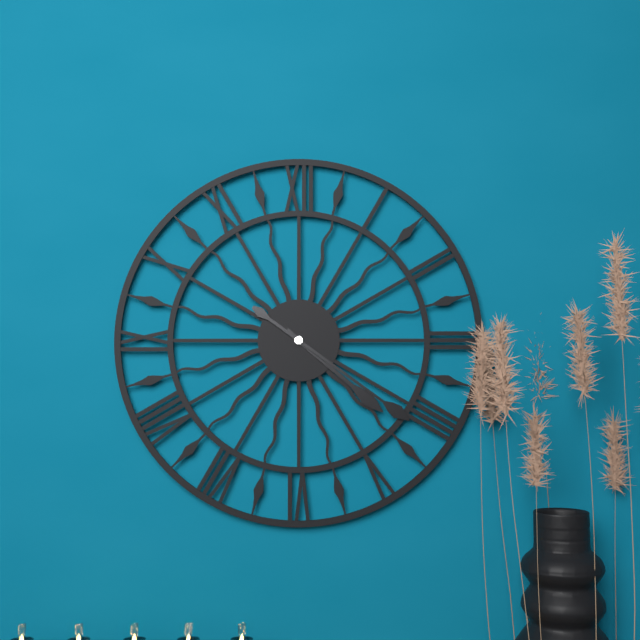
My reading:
**4:21**
